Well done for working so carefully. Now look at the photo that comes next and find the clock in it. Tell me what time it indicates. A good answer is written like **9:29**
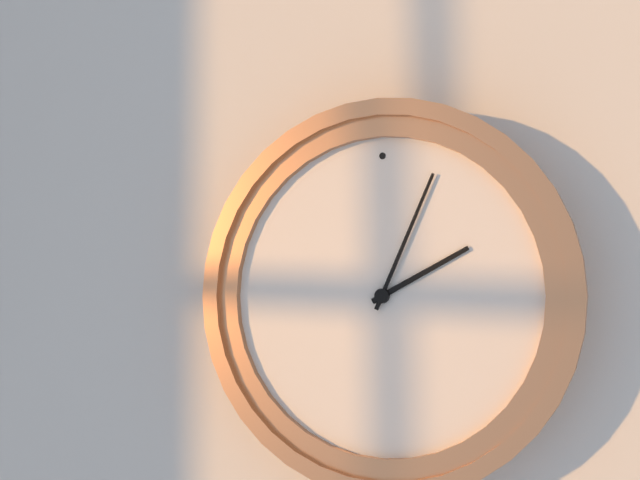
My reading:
**2:04**
